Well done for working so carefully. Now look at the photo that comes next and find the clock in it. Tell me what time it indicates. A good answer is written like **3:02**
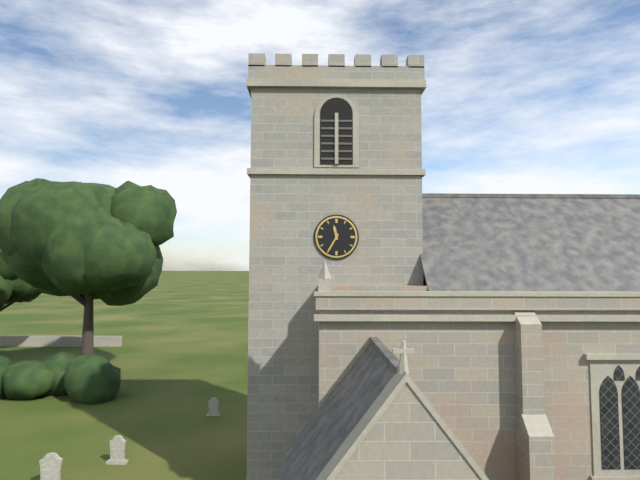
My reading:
**11:35**
